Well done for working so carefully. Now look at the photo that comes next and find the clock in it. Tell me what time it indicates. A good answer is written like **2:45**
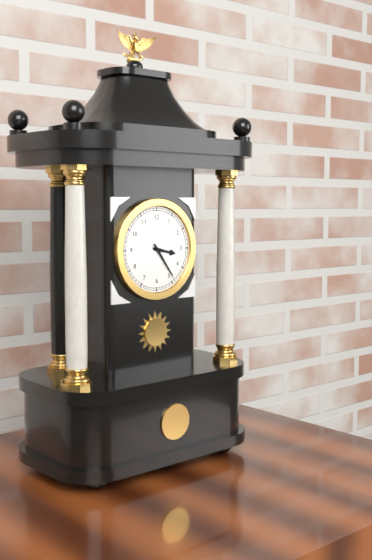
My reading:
**3:24**
